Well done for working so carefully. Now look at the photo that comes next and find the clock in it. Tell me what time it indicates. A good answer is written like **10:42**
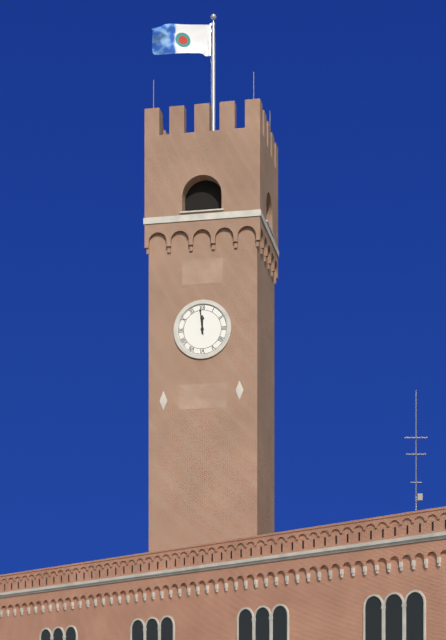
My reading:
**11:59**
